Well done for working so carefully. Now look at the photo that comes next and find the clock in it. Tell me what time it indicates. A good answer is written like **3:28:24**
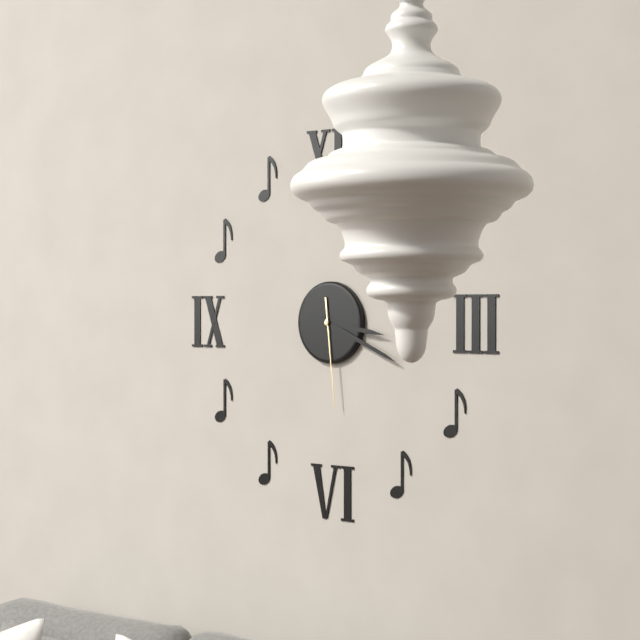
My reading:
**3:19:29**
